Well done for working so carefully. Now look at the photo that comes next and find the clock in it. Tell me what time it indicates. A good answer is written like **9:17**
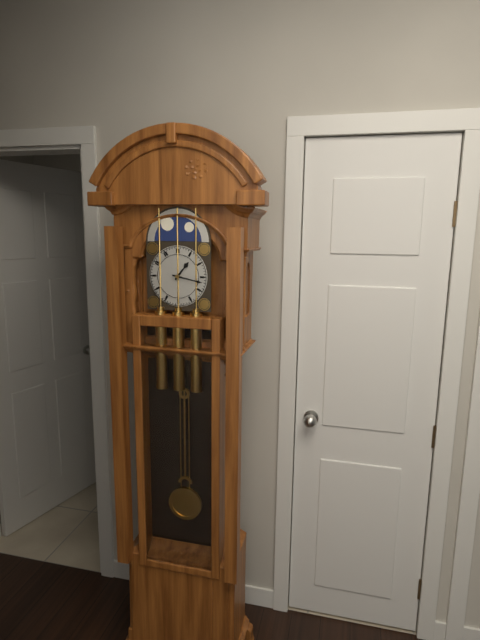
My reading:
**1:17**
